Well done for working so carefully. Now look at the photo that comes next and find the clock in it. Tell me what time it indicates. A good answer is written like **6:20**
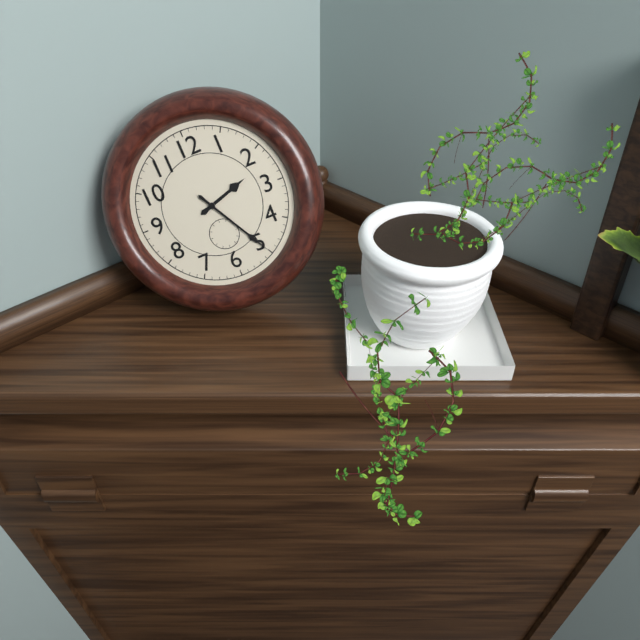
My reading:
**2:25**
